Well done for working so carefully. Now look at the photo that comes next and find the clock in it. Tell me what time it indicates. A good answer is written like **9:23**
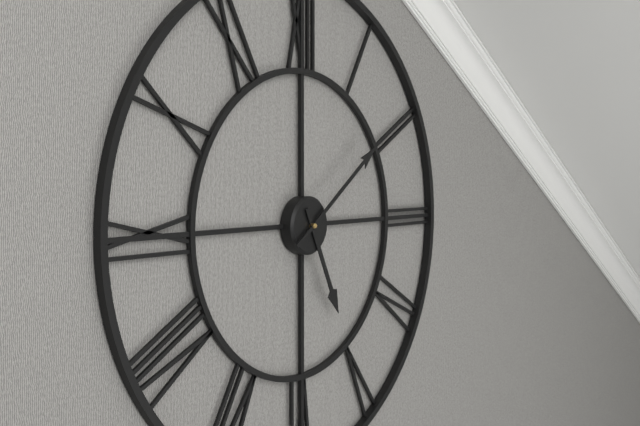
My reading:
**5:09**
